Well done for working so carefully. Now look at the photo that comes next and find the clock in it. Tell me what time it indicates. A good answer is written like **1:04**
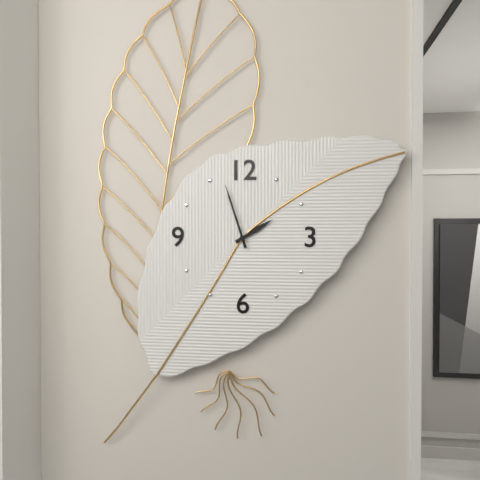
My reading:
**1:57**
